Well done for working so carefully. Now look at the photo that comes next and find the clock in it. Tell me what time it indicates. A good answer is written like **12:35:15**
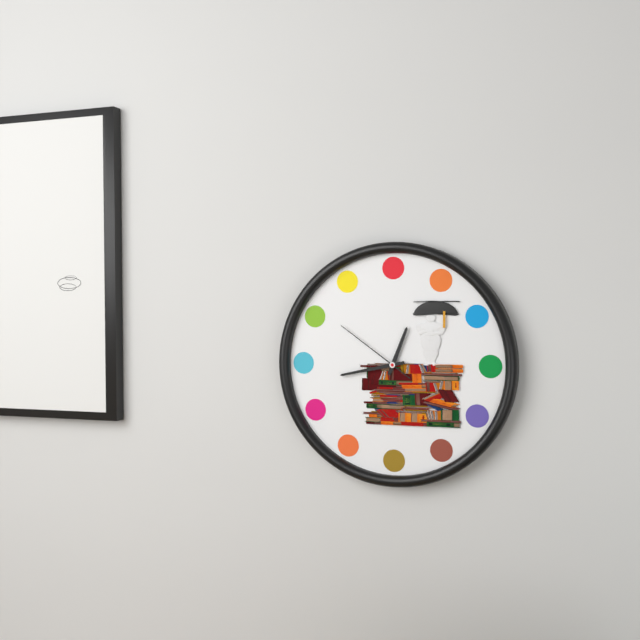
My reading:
**12:43:51**
